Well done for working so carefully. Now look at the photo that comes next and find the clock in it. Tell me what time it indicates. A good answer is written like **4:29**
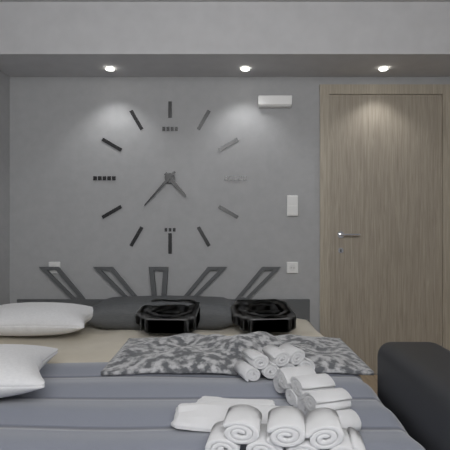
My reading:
**4:37**
